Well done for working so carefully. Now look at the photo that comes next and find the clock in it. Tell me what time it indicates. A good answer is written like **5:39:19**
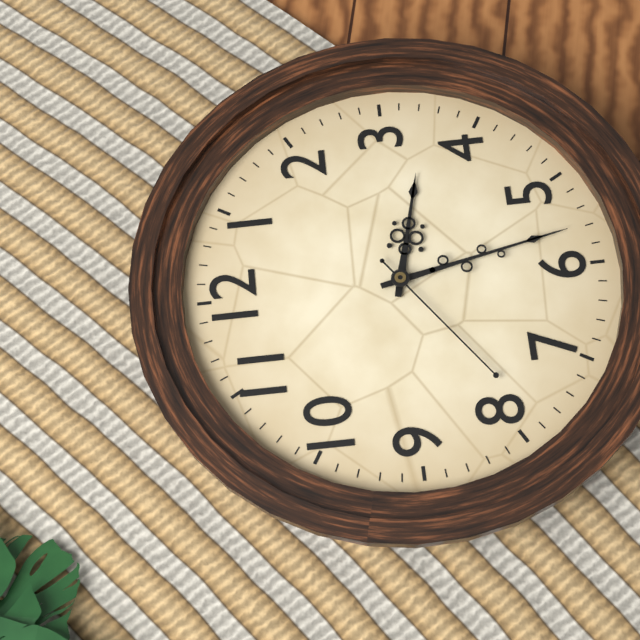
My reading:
**3:28:39**
